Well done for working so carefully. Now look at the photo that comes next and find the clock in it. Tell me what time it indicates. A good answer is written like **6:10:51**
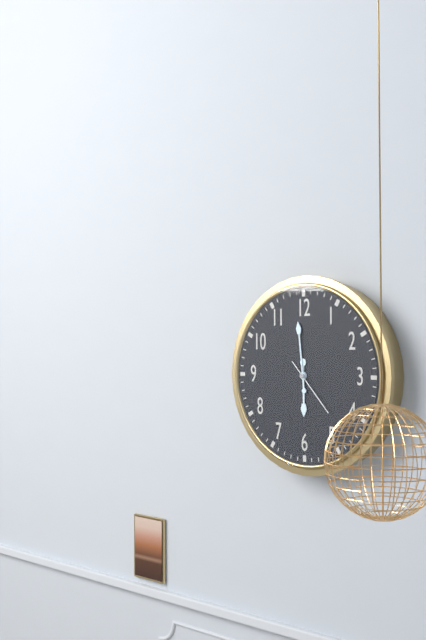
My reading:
**5:59:23**
